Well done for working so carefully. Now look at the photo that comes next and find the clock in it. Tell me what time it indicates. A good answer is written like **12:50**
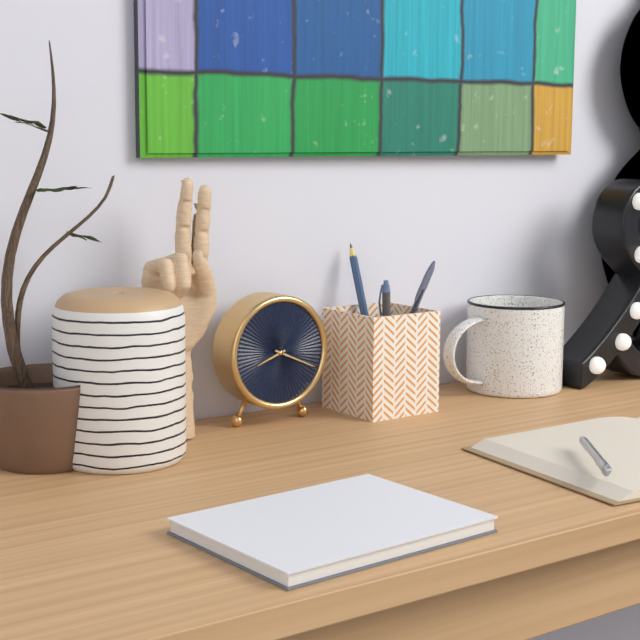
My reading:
**8:19**
